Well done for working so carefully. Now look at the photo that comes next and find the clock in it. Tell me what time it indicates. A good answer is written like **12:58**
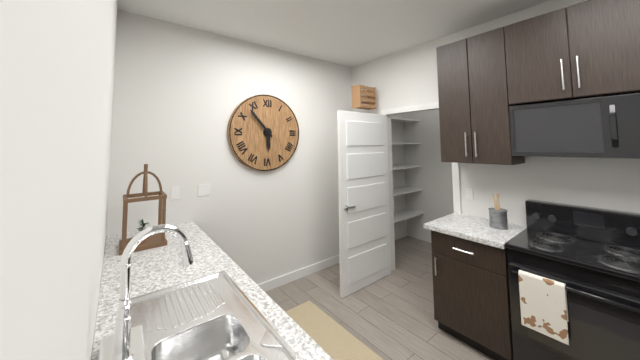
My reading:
**5:53**
